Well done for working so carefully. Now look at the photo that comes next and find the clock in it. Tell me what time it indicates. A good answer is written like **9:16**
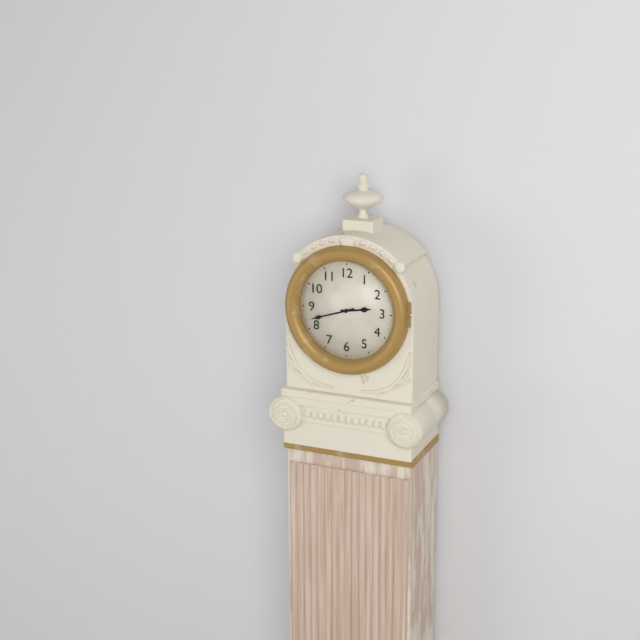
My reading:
**2:42**
